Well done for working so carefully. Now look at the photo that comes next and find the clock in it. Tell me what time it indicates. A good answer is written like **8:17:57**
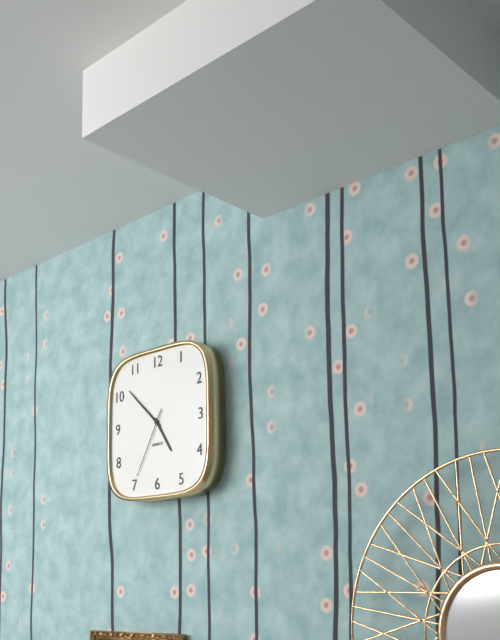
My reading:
**4:52:35**
